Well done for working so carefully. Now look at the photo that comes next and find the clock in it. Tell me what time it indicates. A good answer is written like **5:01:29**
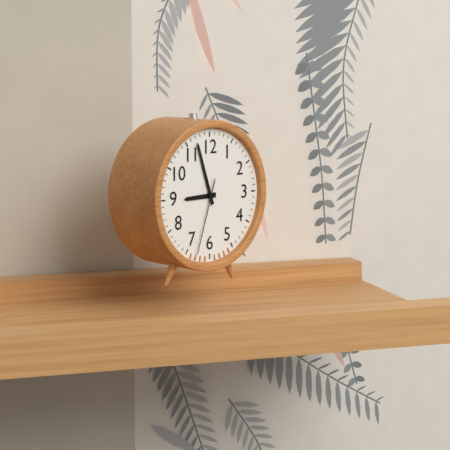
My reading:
**8:57:33**
